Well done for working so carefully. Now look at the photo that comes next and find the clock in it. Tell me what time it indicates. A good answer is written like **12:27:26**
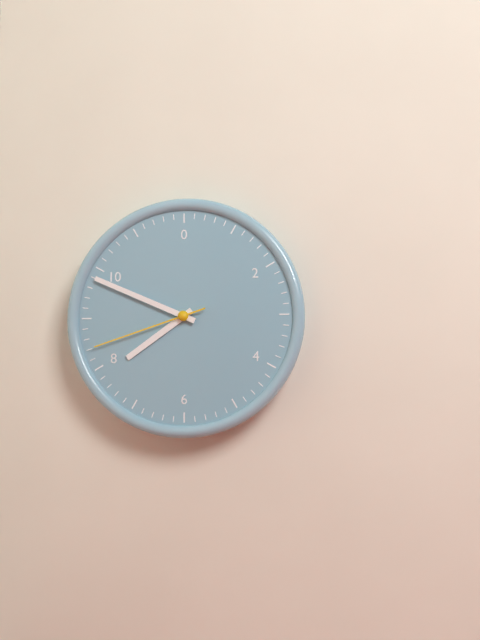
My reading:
**7:49:42**
